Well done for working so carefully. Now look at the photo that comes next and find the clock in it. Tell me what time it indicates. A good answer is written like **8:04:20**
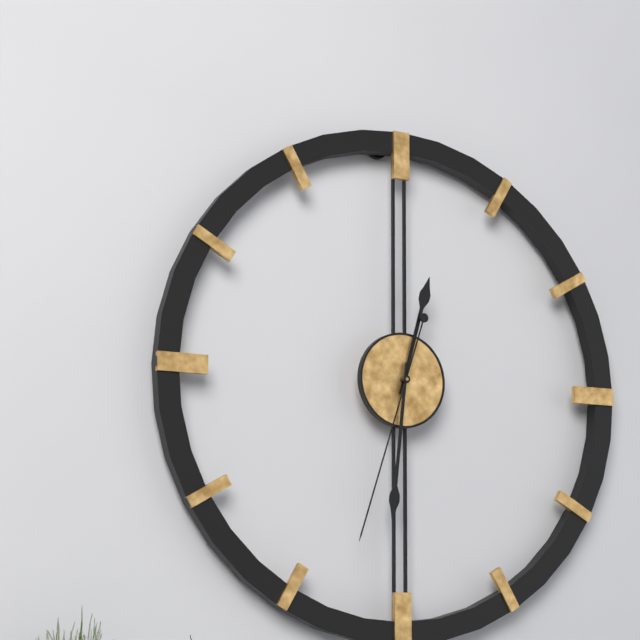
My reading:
**12:31:33**
